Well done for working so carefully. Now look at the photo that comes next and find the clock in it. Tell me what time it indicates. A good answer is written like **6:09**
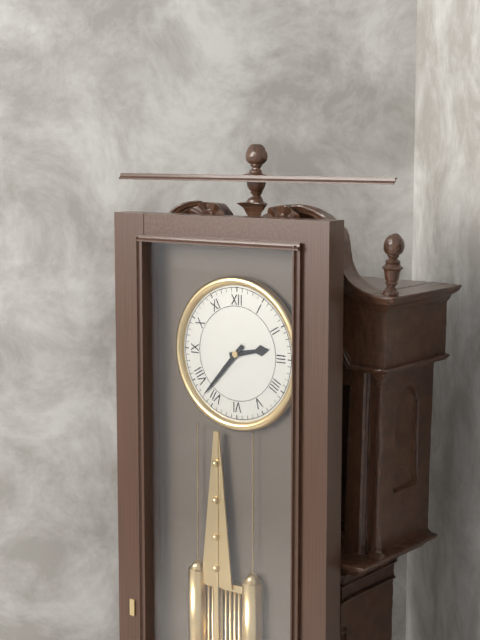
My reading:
**2:37**
